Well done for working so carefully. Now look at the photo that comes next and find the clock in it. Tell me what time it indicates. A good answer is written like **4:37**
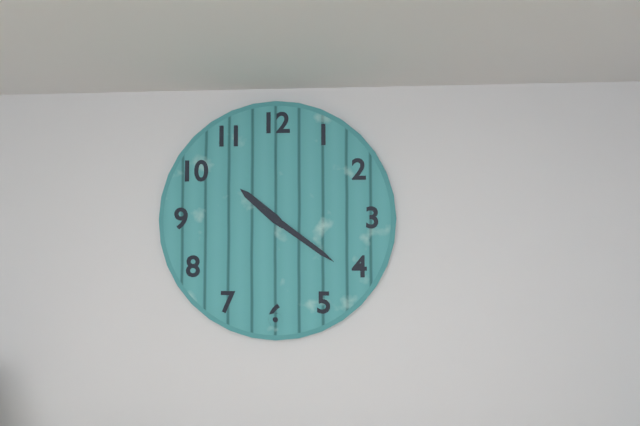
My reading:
**10:21**
